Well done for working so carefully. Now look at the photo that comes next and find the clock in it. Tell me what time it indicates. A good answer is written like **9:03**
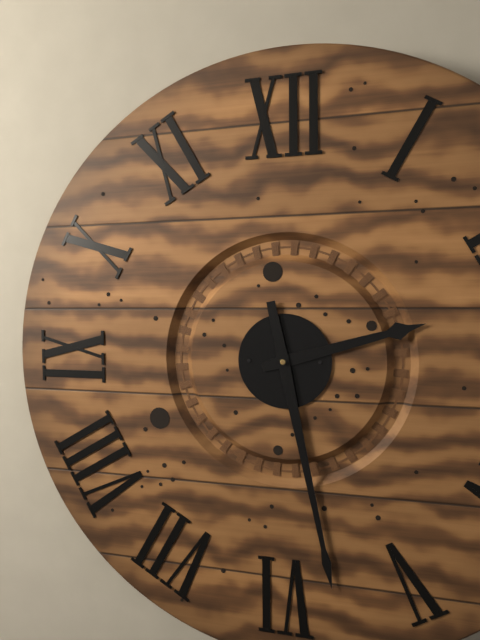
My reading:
**2:28**
